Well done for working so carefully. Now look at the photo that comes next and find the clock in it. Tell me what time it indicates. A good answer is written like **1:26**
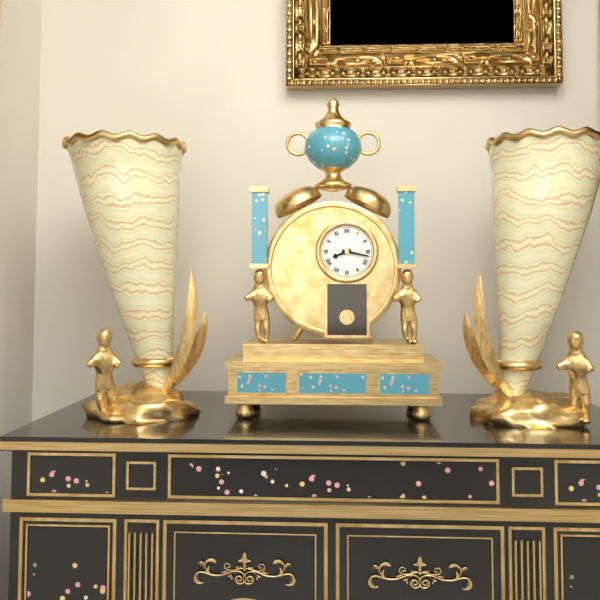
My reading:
**8:17**
